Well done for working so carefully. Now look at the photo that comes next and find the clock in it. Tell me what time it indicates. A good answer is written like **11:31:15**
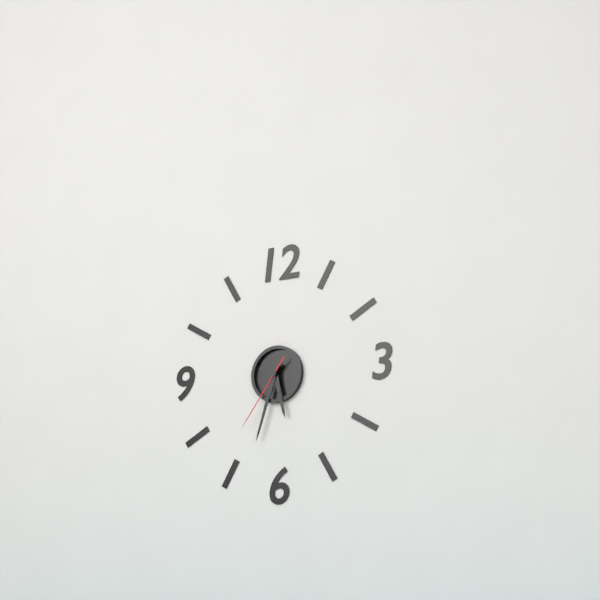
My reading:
**5:33:36**
